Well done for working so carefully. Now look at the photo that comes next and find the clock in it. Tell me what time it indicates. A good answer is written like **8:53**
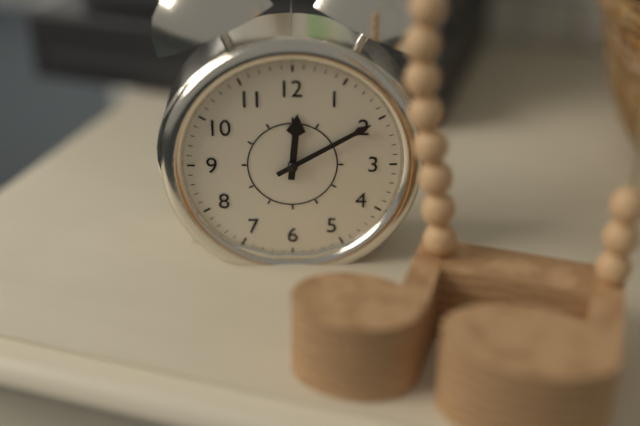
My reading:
**12:10**
